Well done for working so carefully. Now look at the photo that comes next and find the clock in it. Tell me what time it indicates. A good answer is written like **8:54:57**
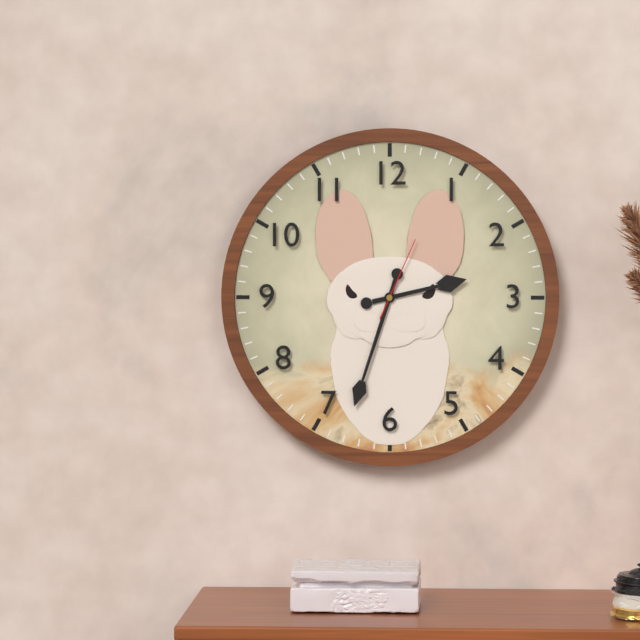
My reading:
**2:33:04**
